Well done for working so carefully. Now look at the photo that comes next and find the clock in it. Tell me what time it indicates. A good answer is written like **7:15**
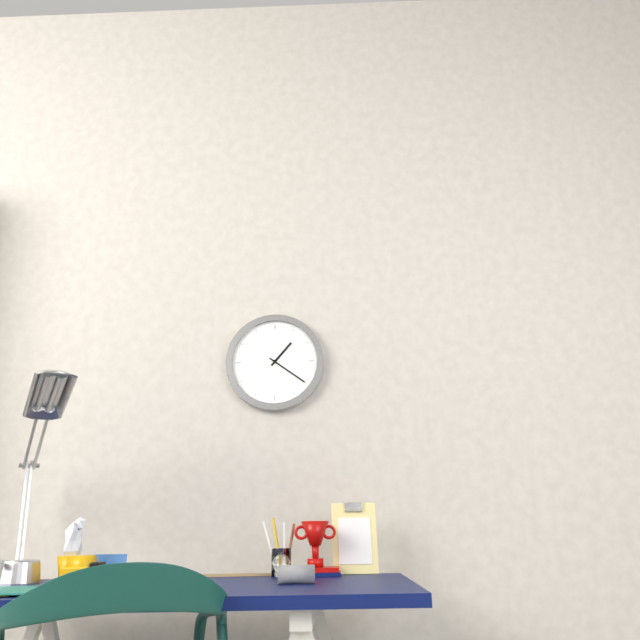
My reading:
**1:21**
